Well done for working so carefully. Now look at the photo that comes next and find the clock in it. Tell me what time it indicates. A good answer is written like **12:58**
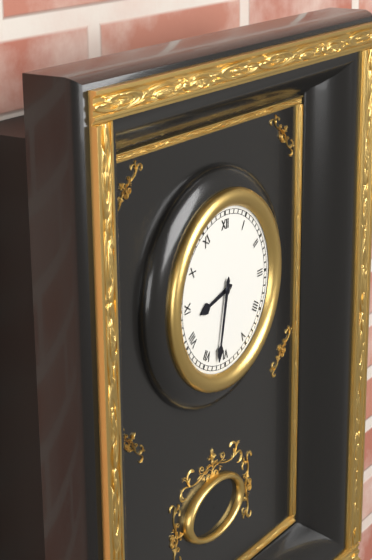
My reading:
**8:32**
